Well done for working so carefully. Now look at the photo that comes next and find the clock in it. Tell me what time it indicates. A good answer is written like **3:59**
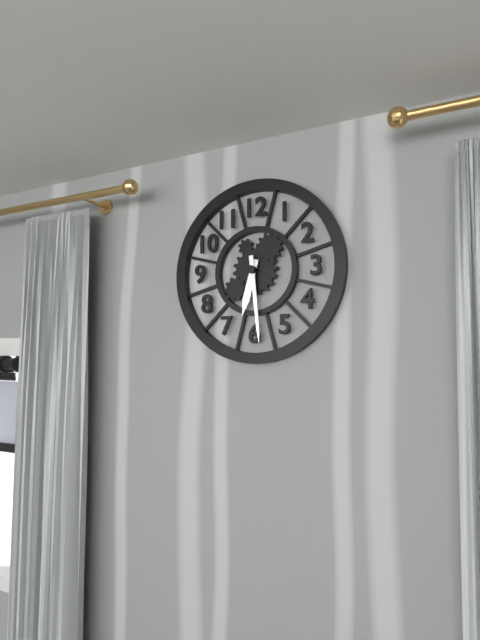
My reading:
**6:29**
